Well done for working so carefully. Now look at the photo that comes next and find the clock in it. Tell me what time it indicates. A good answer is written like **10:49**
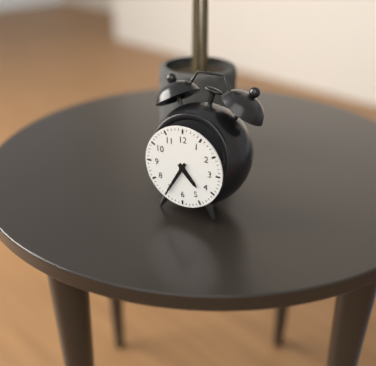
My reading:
**4:35**
